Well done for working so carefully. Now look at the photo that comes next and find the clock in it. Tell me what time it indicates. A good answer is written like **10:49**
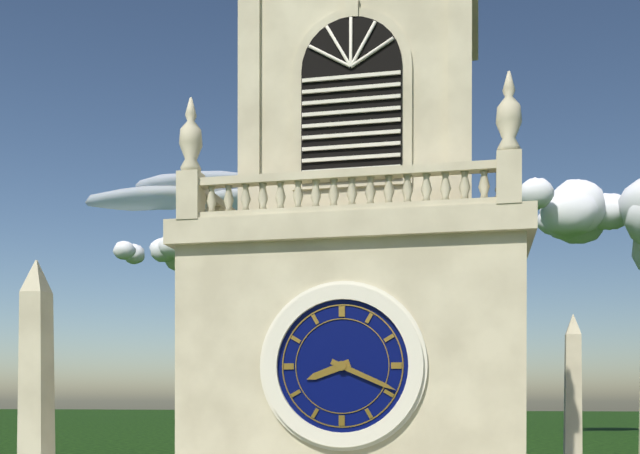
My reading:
**8:19**
